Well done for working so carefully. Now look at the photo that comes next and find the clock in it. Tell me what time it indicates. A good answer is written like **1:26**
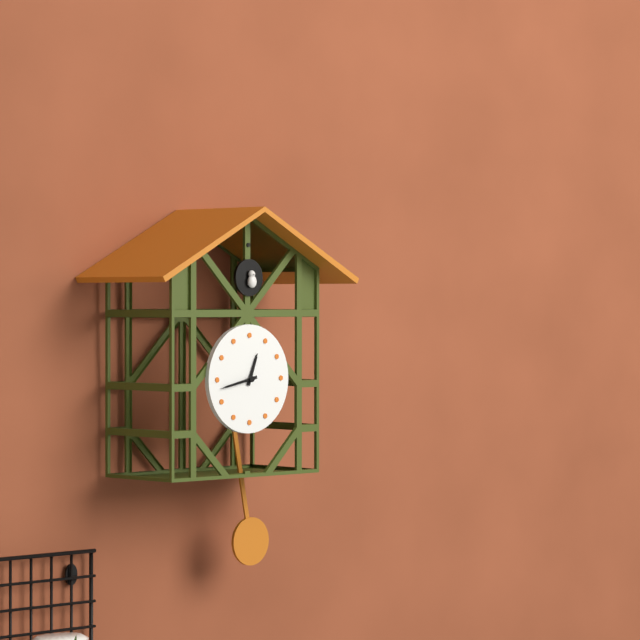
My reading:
**12:43**
